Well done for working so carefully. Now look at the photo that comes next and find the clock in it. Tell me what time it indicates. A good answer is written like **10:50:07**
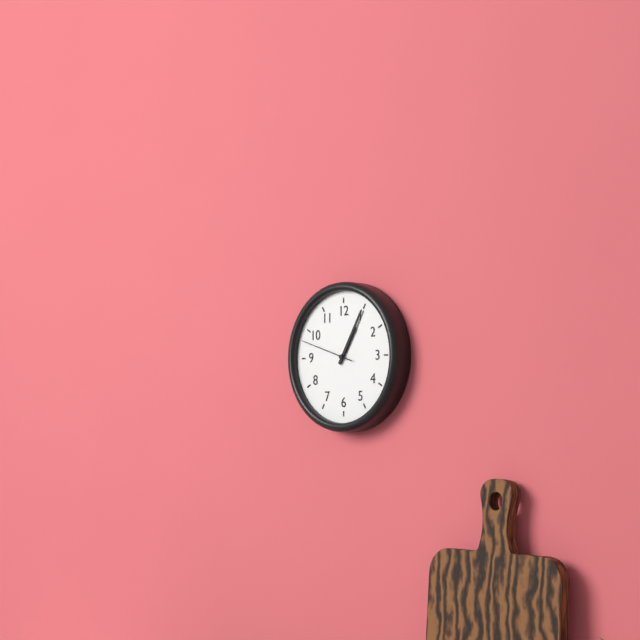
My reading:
**1:05:48**
